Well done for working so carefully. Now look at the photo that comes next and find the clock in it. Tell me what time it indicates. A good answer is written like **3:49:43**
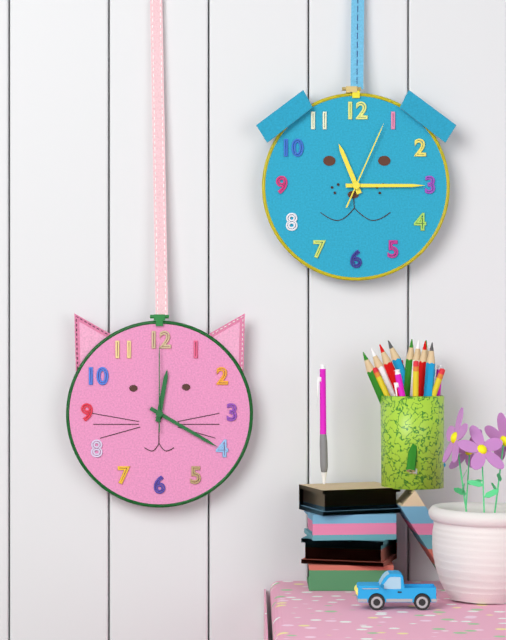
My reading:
**12:20:00**
